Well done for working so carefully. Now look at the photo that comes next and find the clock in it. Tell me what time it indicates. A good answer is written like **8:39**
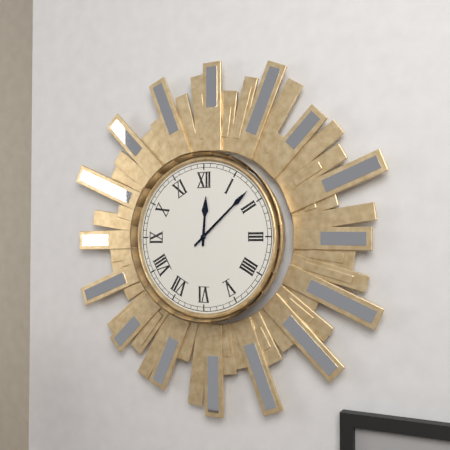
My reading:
**12:08**
